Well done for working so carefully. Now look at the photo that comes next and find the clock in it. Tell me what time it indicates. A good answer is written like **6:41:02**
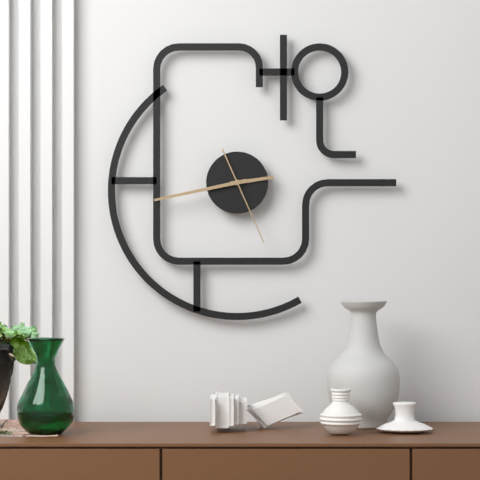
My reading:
**2:43:26**
